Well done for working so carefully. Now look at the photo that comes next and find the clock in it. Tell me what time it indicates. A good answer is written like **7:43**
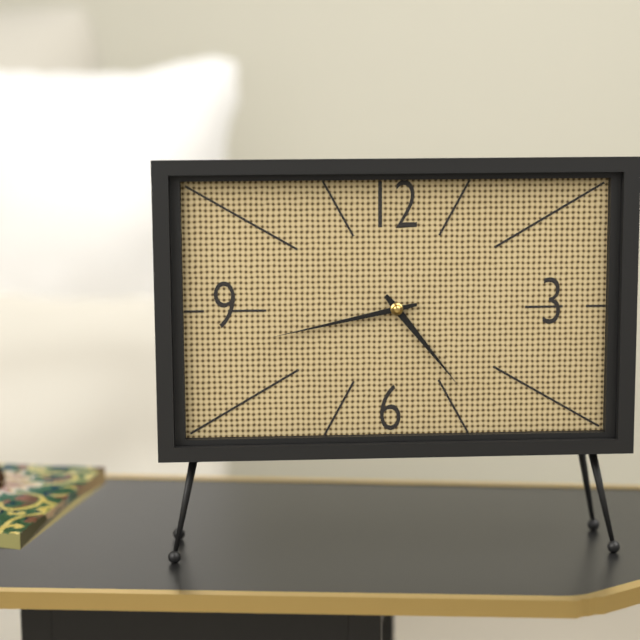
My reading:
**4:43**
